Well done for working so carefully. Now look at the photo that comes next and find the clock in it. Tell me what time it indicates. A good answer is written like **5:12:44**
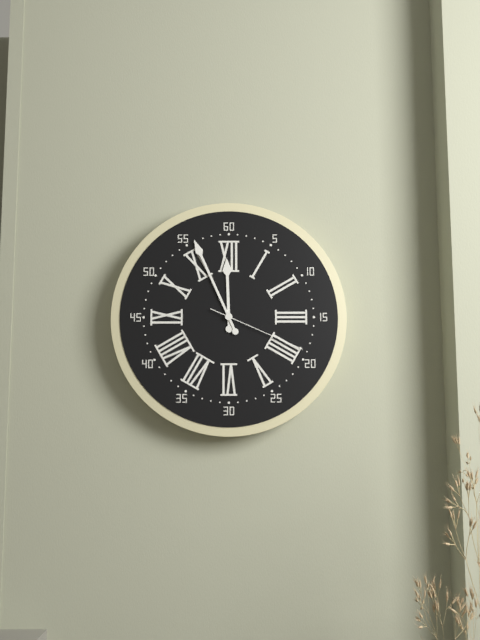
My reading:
**11:56:19**
